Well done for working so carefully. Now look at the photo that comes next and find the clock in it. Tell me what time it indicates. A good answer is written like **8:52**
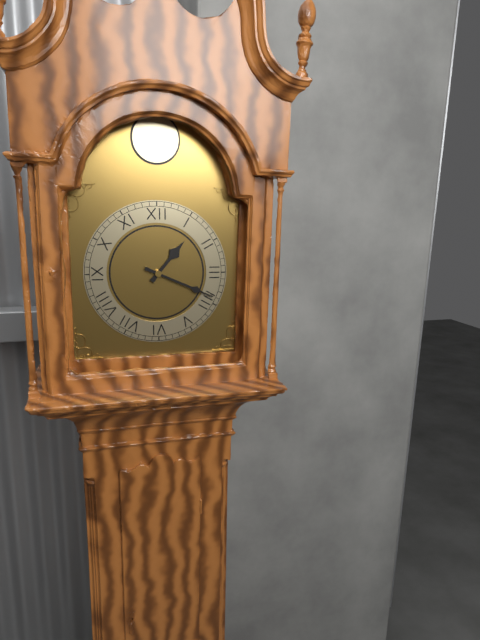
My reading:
**1:19**
